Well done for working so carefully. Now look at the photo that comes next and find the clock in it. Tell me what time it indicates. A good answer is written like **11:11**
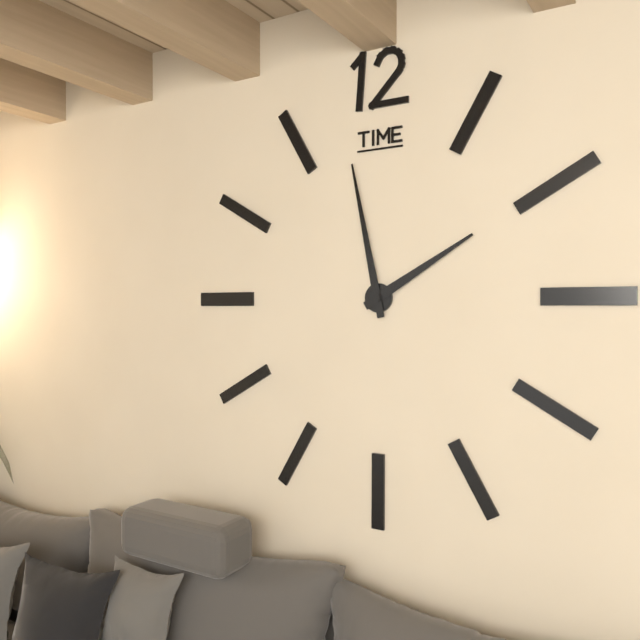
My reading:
**1:58**
